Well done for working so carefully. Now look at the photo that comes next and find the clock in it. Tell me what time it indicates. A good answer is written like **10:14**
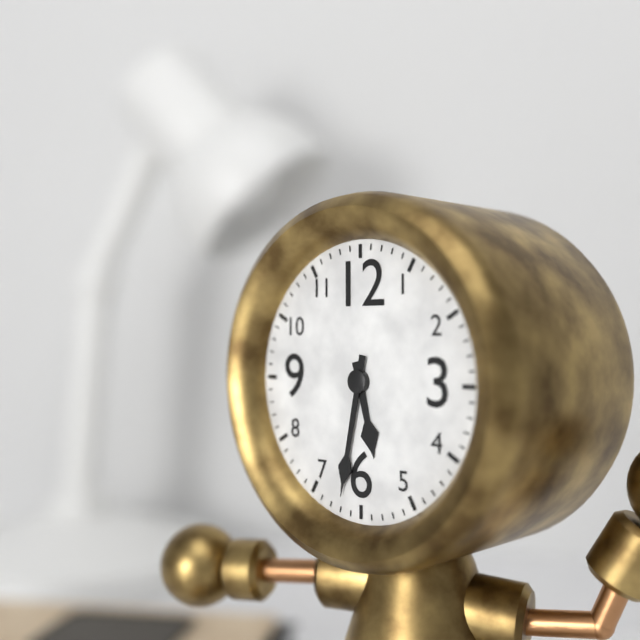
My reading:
**5:32**
